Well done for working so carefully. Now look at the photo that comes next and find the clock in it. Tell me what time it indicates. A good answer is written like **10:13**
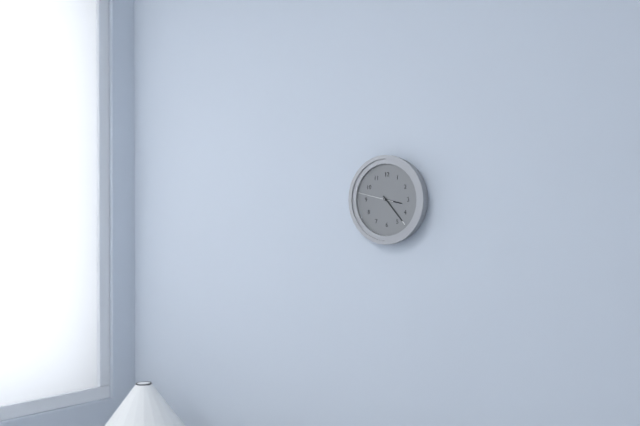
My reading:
**3:23**
